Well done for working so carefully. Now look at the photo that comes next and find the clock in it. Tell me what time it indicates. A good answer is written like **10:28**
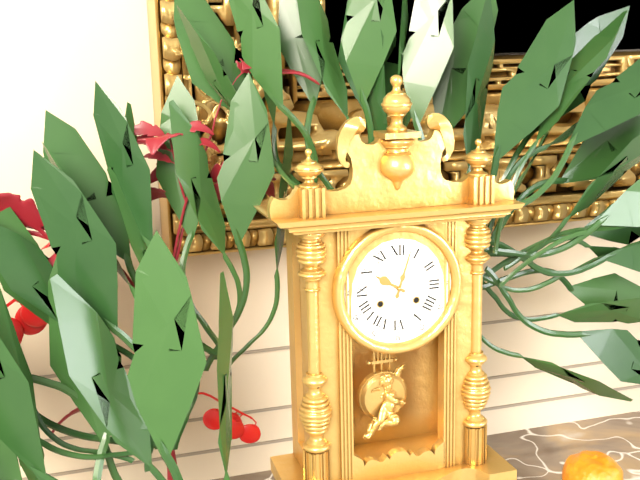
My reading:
**10:03**
